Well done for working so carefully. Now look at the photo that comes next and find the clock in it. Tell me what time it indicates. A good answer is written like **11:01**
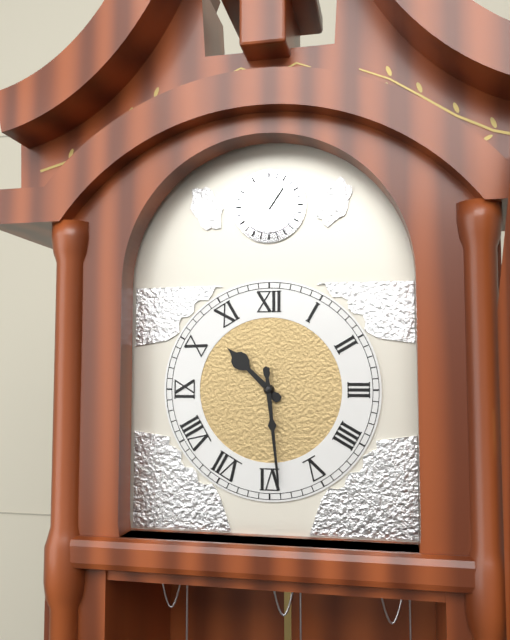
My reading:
**10:29**
